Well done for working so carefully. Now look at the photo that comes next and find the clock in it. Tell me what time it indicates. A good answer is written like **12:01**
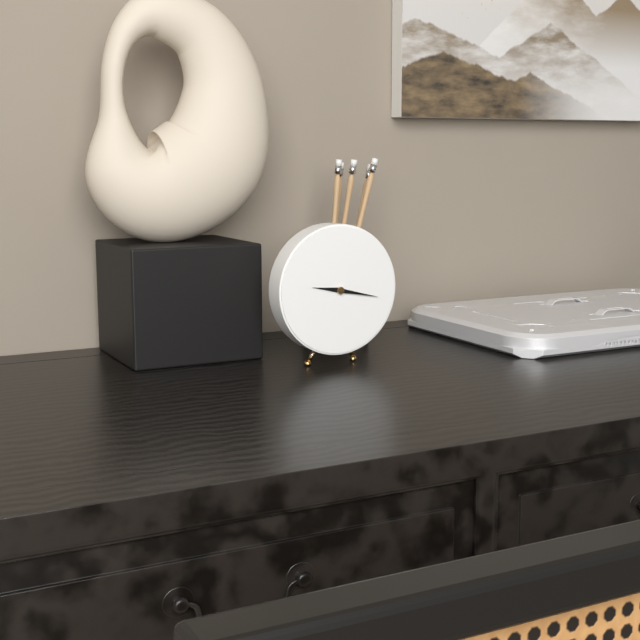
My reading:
**9:17**
